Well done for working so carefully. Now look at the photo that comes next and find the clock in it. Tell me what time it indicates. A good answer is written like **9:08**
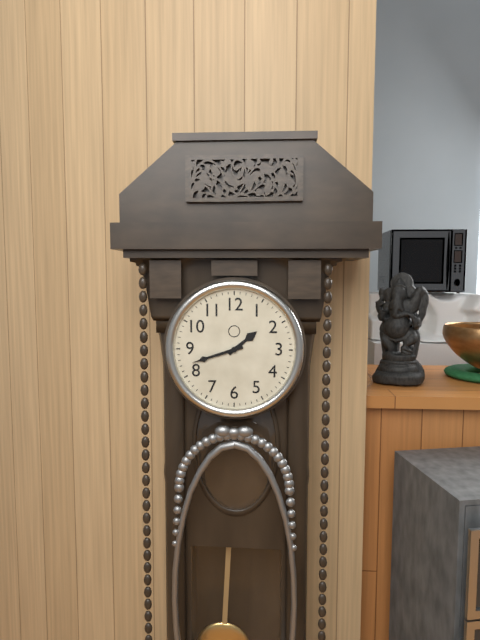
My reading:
**1:42**
